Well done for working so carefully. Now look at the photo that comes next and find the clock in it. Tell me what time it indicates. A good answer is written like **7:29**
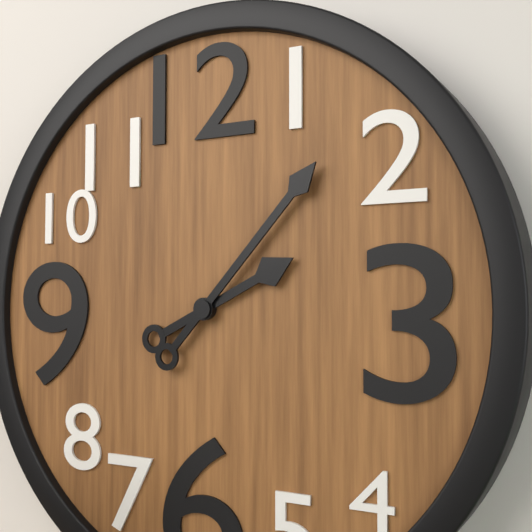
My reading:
**2:07**
